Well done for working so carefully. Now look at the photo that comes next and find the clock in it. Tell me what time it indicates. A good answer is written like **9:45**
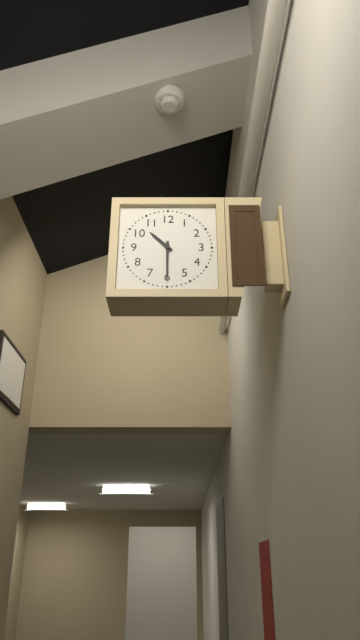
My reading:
**10:30**
